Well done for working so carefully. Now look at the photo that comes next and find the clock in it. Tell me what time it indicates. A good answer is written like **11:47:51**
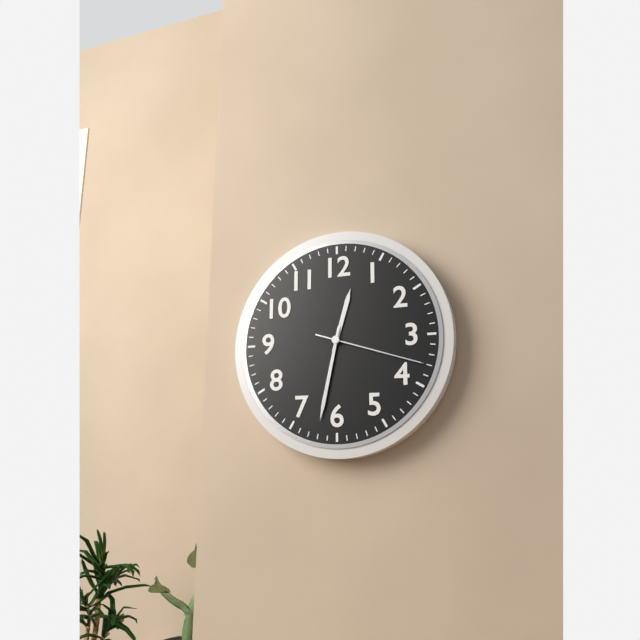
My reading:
**12:32:18**
